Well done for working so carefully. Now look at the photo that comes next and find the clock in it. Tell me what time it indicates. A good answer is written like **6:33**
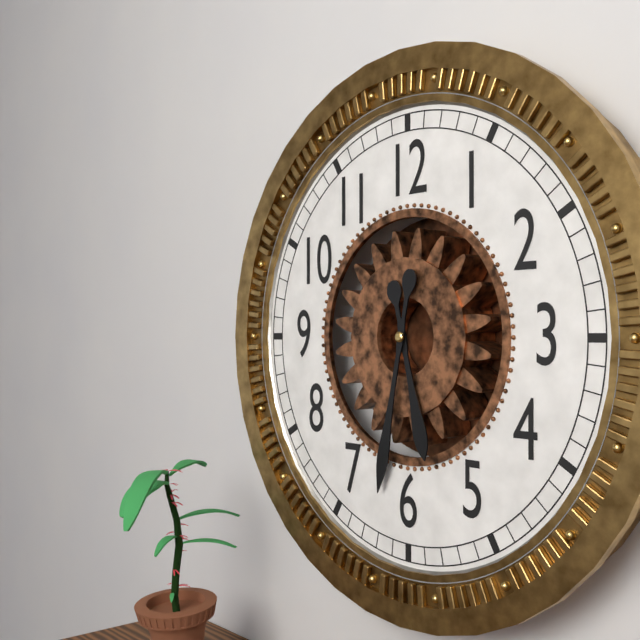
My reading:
**5:32**
